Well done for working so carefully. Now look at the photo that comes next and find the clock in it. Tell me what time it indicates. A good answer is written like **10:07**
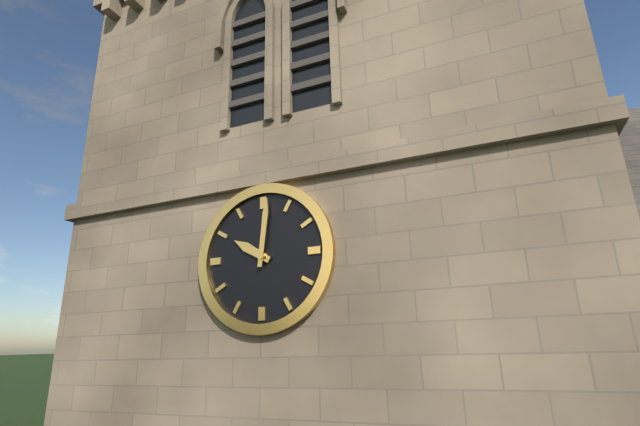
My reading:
**10:01**
